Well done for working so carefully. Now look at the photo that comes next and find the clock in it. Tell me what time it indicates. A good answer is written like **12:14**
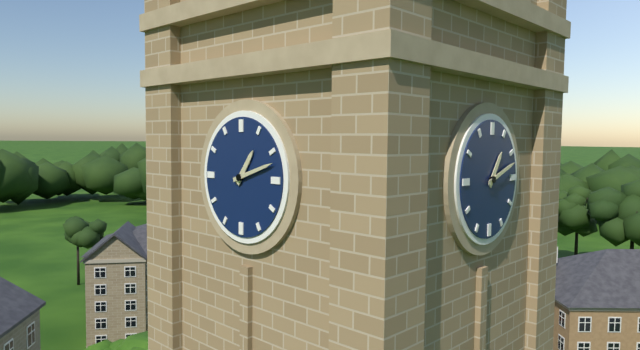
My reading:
**1:12**
